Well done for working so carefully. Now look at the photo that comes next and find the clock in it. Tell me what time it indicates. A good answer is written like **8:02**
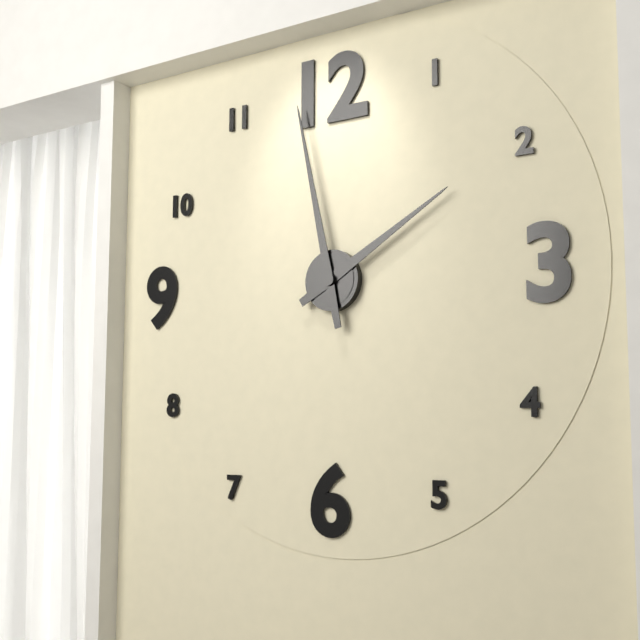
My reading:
**1:58**
